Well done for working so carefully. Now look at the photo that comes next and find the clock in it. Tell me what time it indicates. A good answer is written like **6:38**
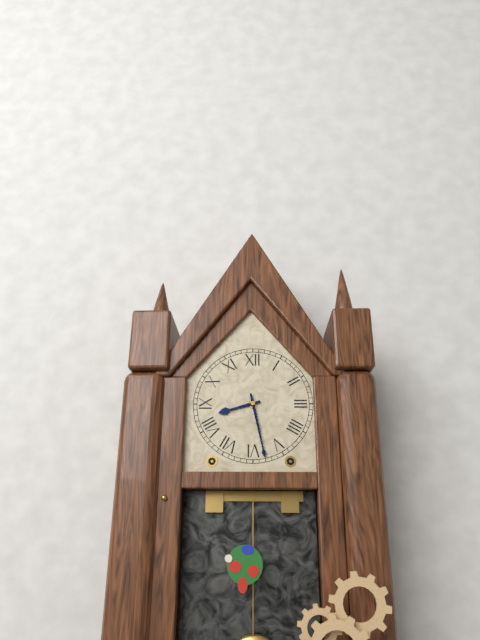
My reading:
**8:28**
